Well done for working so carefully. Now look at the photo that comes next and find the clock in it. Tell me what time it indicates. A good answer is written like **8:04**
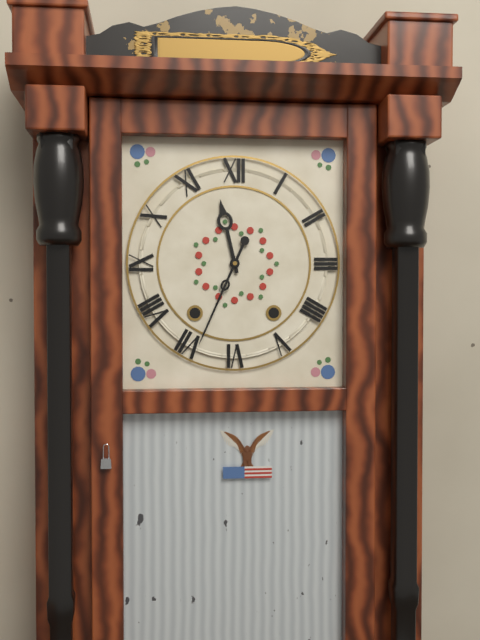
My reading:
**11:34**
